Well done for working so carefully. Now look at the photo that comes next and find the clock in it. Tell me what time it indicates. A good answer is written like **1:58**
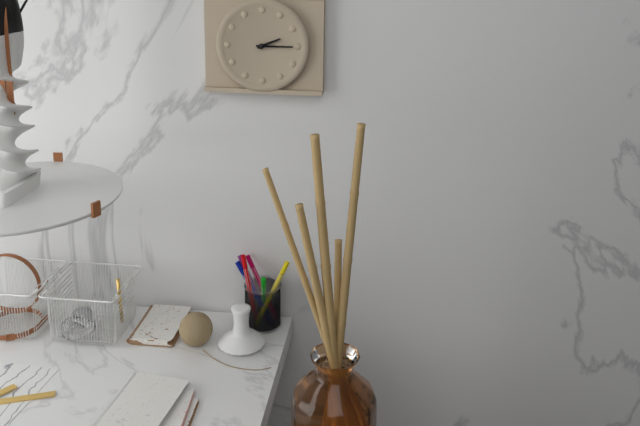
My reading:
**2:15**
